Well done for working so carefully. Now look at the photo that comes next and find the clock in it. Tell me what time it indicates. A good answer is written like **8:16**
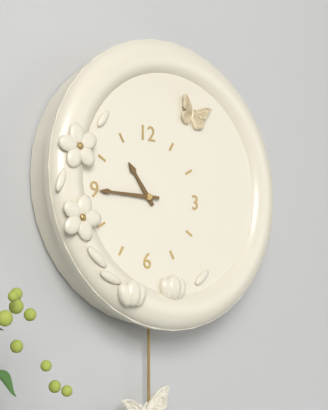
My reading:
**10:45**
